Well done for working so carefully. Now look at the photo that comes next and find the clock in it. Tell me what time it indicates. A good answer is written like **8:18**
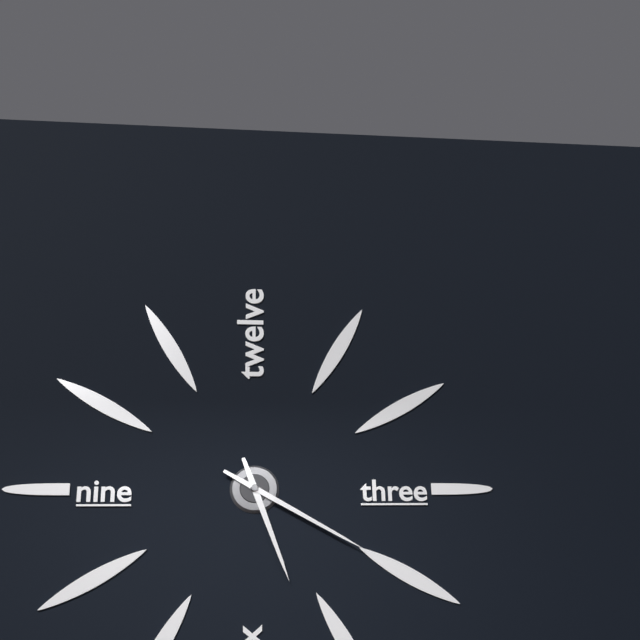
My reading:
**5:20**
